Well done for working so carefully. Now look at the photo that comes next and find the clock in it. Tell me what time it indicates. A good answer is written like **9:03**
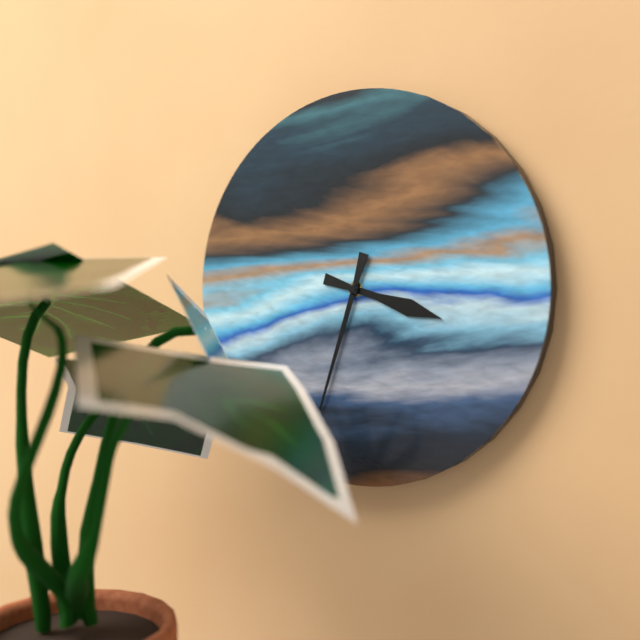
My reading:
**3:33**
